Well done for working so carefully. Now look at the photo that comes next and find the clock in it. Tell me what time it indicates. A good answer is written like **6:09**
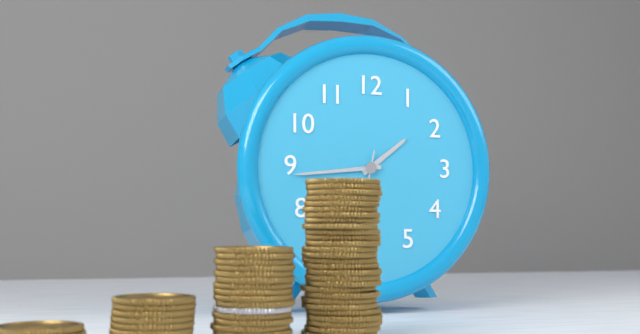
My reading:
**1:44**
